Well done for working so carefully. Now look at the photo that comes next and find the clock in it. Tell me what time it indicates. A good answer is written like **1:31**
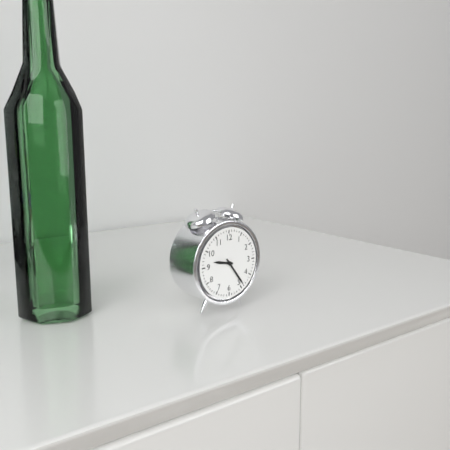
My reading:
**9:24**
